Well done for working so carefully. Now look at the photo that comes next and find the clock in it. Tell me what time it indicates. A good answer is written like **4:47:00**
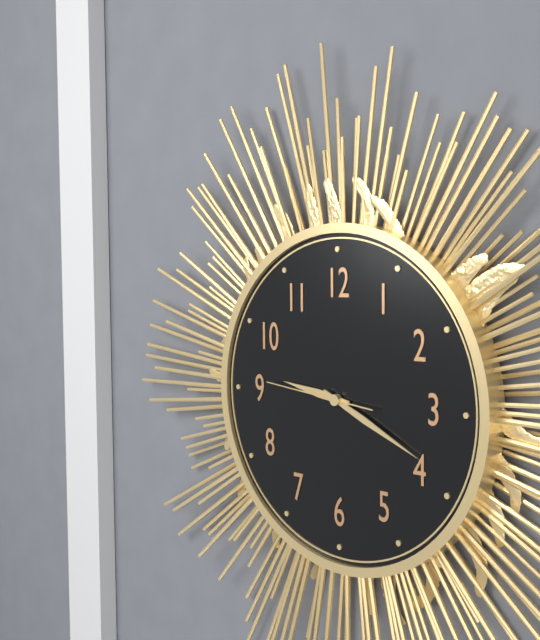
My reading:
**9:19:46**
